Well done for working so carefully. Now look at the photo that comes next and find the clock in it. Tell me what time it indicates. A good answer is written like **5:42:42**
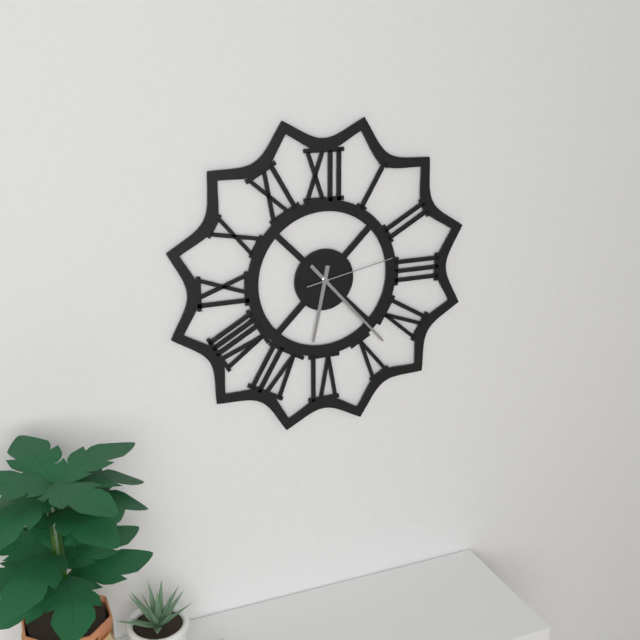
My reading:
**6:23:13**
